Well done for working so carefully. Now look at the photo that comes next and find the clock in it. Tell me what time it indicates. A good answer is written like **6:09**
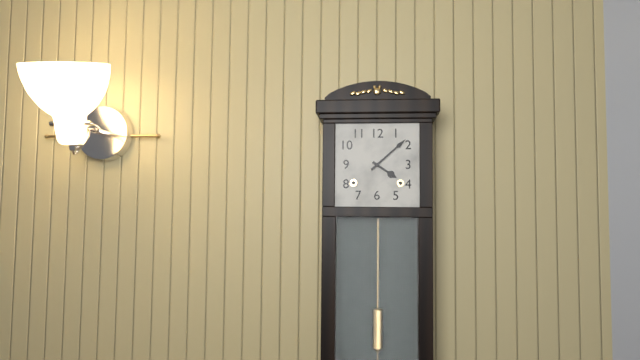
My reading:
**4:08**
